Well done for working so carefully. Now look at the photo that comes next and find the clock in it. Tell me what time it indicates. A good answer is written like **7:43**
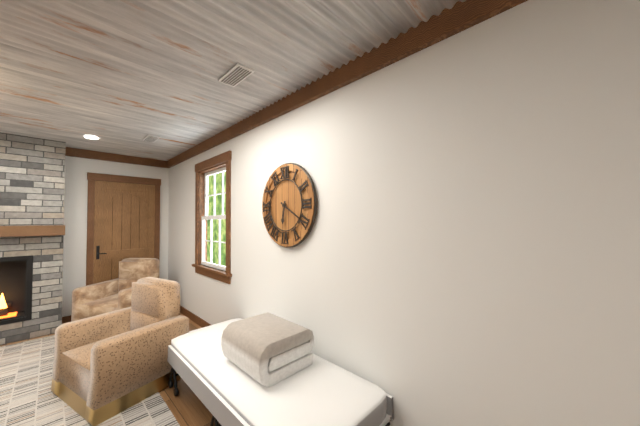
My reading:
**6:20**
